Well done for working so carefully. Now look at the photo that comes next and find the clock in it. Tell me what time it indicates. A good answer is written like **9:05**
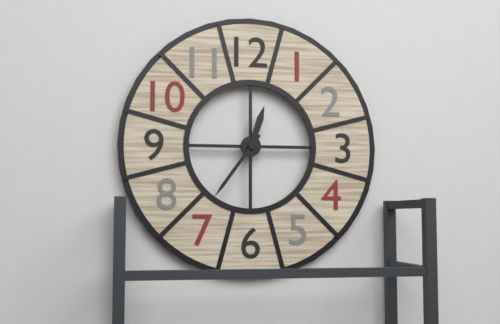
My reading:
**12:36**
